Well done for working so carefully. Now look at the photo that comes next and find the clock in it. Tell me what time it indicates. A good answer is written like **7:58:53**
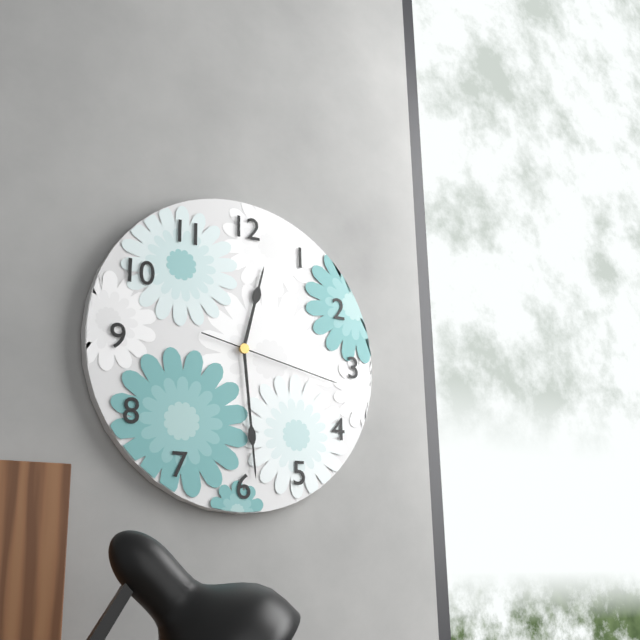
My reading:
**12:29:17**
